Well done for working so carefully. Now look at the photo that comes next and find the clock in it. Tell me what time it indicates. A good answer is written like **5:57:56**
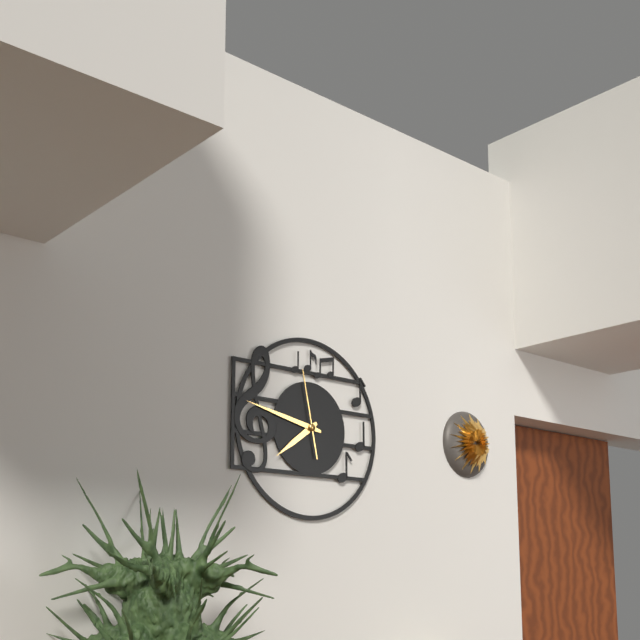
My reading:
**7:47:58**
